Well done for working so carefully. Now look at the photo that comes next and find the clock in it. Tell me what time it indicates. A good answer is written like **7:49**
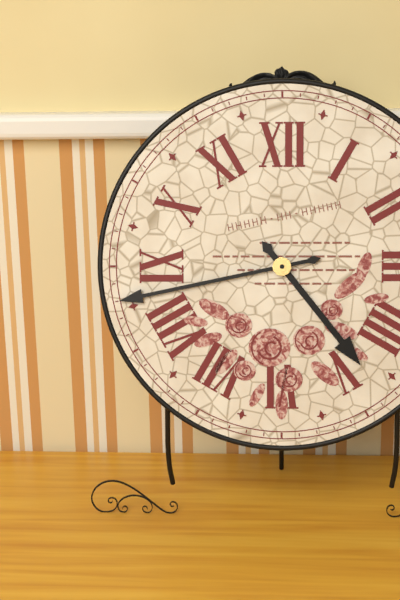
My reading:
**4:43**
